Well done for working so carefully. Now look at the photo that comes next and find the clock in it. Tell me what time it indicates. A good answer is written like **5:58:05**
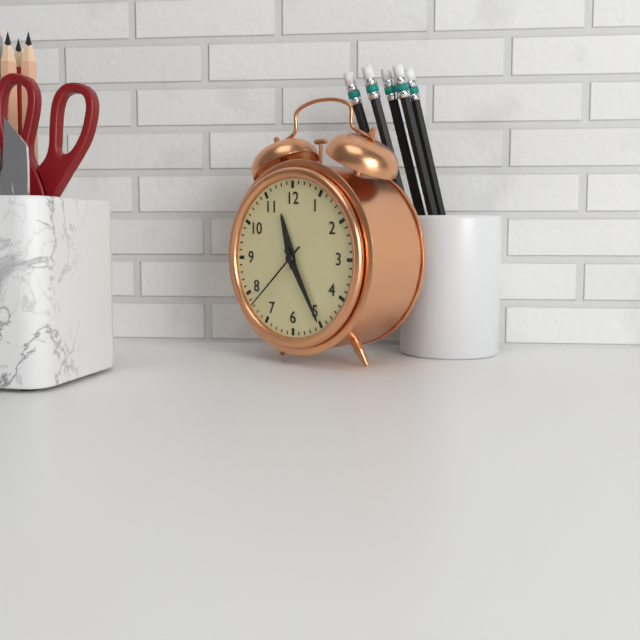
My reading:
**11:25:38**
